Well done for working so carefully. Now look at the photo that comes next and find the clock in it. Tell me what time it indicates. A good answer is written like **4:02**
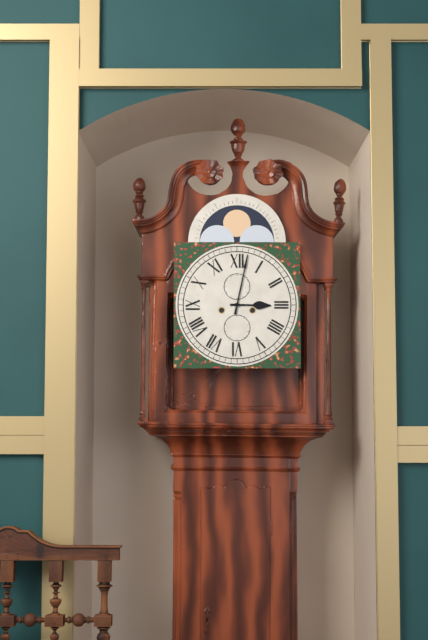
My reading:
**3:02**
